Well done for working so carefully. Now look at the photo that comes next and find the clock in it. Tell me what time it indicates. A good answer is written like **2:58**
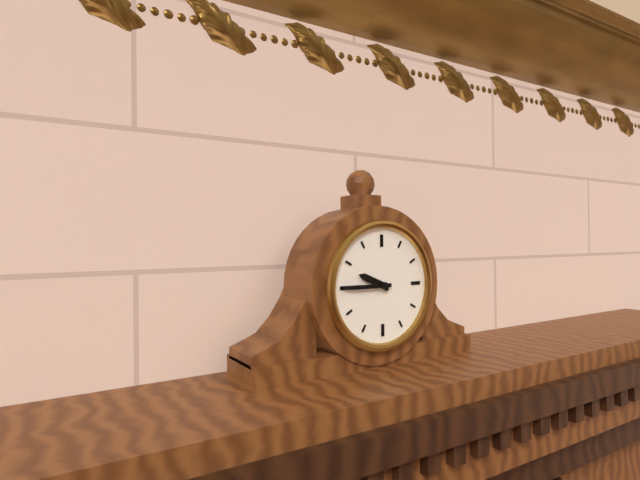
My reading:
**9:45**
